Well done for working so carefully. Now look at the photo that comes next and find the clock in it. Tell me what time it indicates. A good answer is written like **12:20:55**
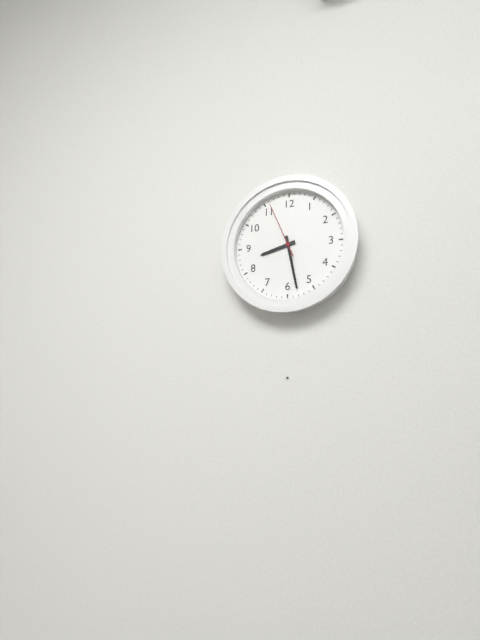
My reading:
**8:28:56**
